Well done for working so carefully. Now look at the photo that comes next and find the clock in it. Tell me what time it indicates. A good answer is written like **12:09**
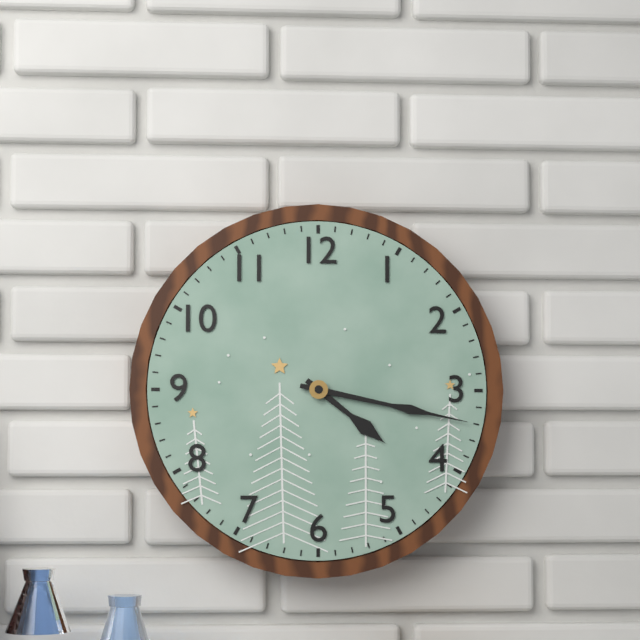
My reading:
**4:17**
